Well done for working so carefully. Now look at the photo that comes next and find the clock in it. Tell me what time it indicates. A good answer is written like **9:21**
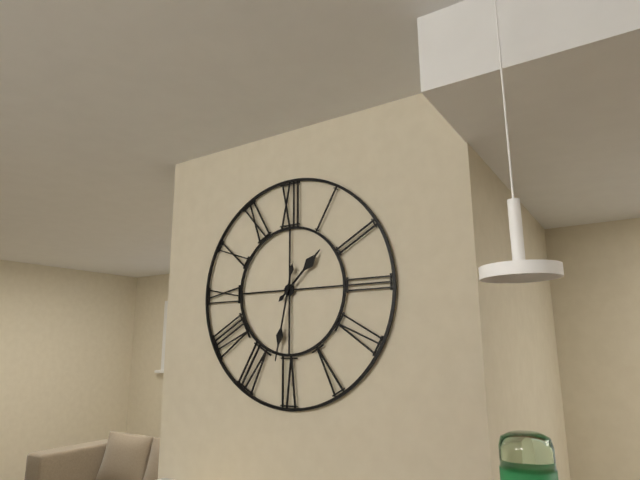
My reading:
**1:32**
